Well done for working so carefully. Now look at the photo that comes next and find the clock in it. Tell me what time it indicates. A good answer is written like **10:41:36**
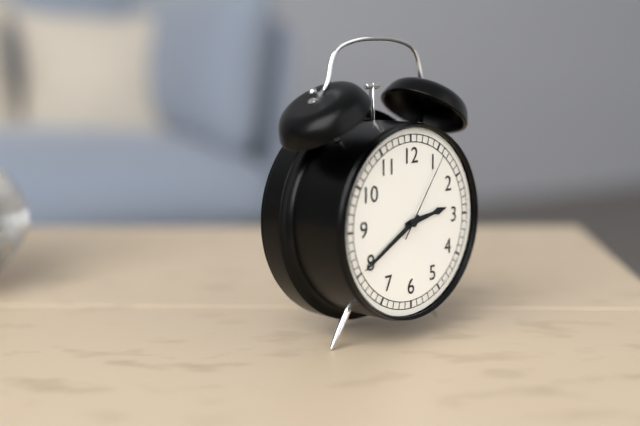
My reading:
**2:40:06**
